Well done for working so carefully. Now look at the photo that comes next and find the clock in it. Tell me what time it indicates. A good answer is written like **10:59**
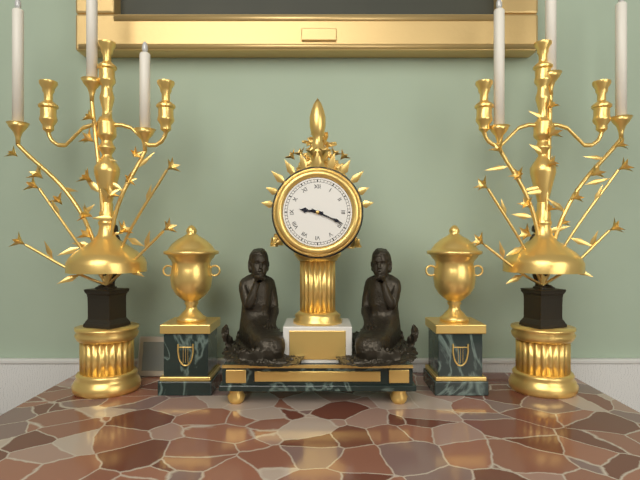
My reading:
**9:19**
